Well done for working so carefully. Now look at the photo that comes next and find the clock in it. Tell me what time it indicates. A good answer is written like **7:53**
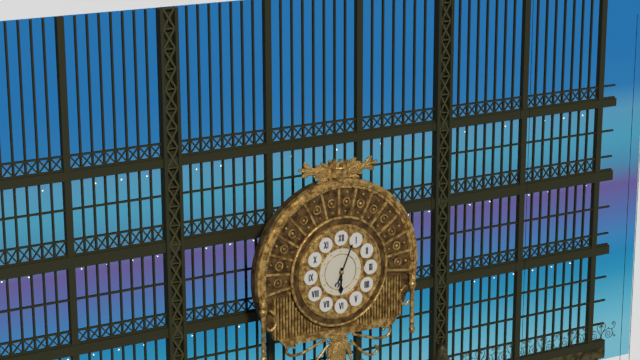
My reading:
**6:04**
